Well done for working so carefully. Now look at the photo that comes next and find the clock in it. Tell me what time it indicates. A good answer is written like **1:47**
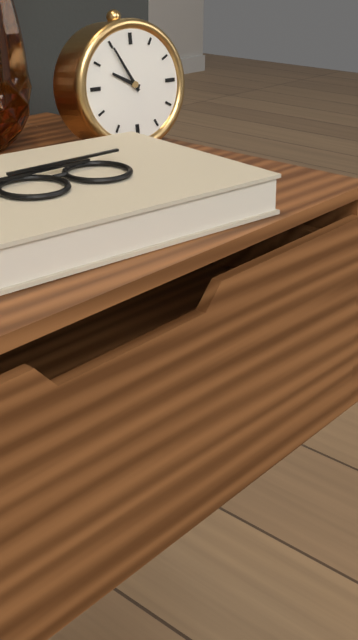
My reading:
**9:55**
